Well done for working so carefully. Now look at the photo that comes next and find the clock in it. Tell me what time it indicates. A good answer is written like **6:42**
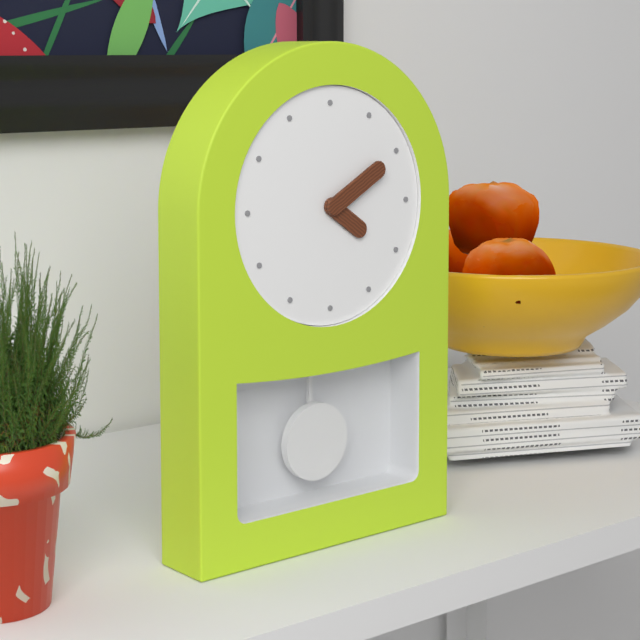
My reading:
**4:10**
